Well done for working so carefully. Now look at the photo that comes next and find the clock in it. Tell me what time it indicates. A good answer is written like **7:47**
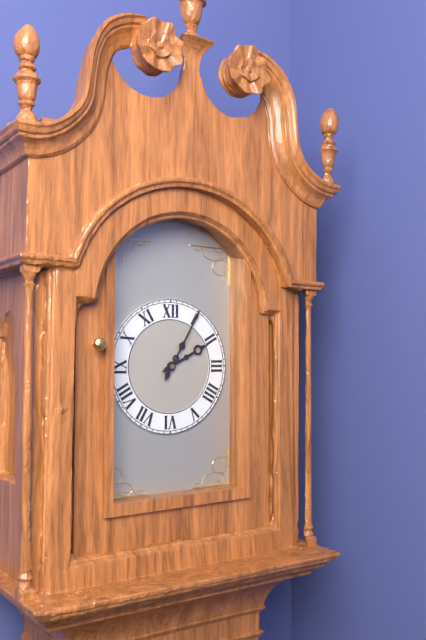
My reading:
**2:05**
